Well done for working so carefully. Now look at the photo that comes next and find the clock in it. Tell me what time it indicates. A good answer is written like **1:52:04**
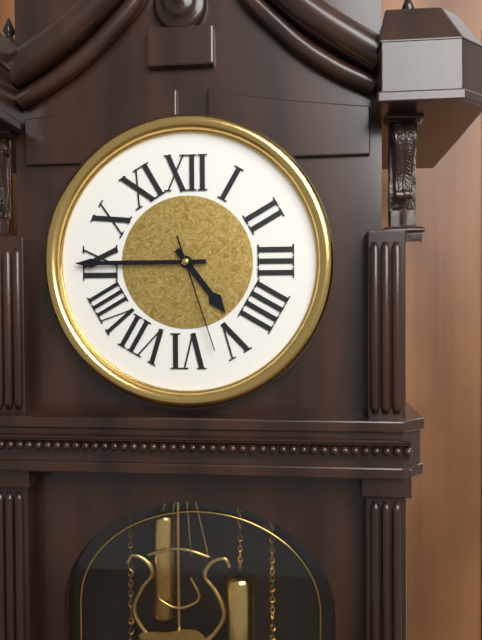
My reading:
**4:45:27**
